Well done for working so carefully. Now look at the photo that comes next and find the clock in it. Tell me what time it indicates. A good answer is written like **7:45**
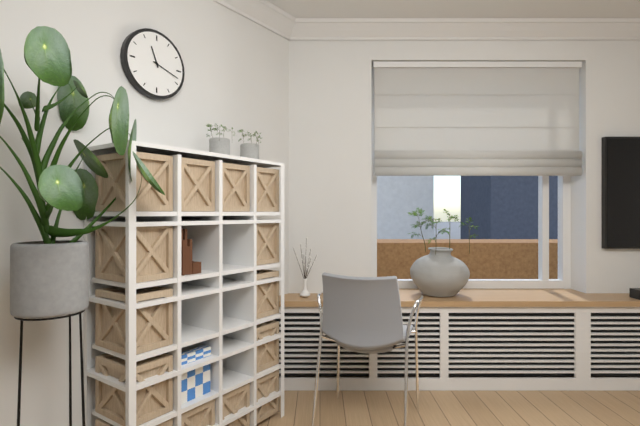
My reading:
**11:18**
